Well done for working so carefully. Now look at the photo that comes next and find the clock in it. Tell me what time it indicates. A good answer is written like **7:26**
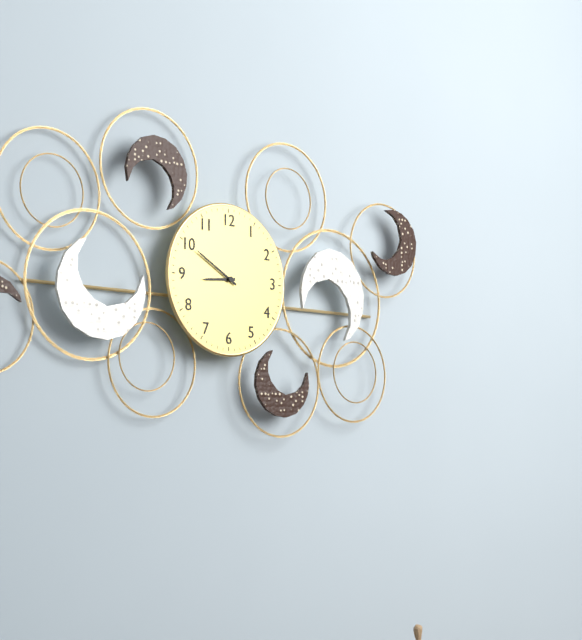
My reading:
**8:50**
